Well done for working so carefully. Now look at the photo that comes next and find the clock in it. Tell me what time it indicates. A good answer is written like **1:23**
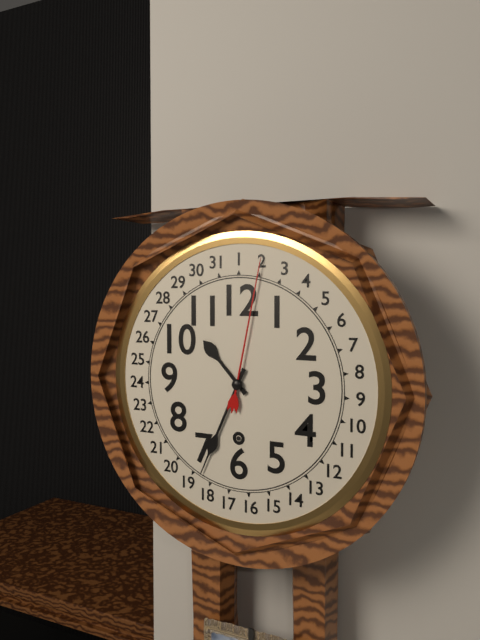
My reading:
**10:34**
